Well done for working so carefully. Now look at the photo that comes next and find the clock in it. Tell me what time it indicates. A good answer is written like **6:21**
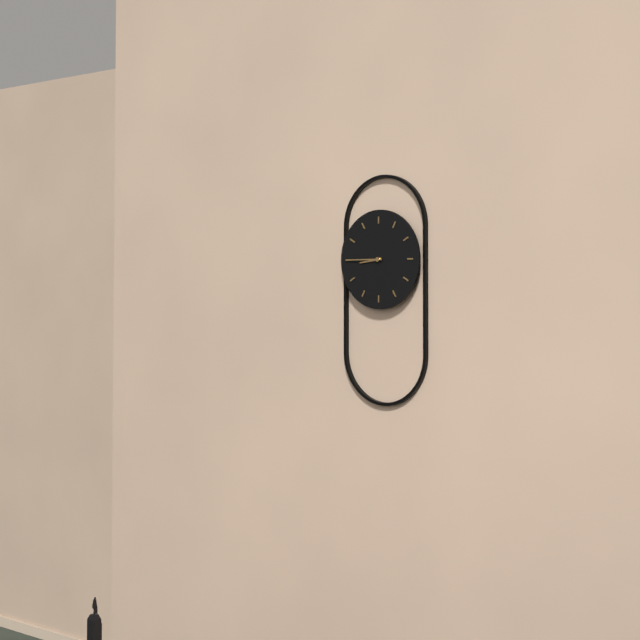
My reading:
**8:45**
